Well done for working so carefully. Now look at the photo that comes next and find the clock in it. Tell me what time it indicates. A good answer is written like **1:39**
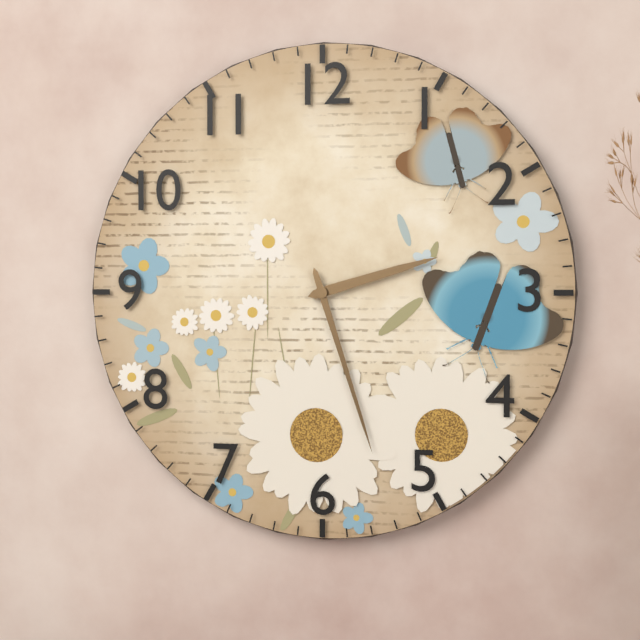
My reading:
**2:27**
